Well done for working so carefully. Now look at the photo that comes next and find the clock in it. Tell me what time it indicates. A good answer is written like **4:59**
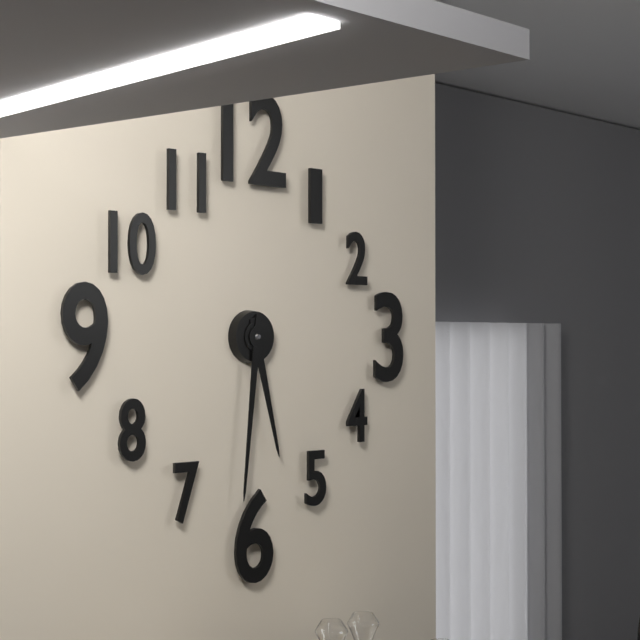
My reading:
**5:31**
